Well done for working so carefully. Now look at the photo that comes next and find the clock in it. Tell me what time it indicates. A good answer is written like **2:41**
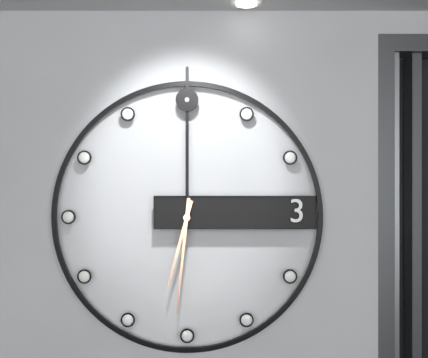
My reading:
**6:31**
